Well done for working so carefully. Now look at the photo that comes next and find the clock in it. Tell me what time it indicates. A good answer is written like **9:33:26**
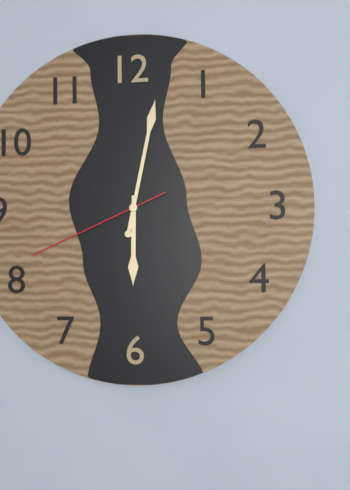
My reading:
**6:02:41**
